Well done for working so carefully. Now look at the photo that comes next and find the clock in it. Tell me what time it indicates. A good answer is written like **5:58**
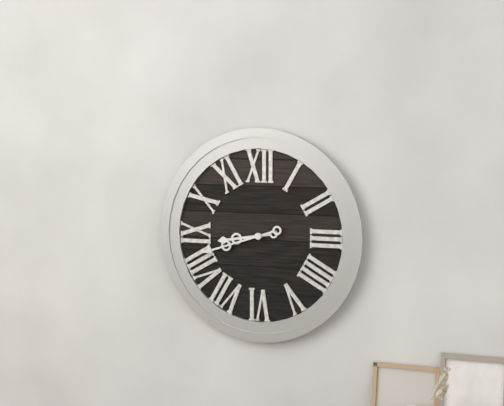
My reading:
**8:42**
